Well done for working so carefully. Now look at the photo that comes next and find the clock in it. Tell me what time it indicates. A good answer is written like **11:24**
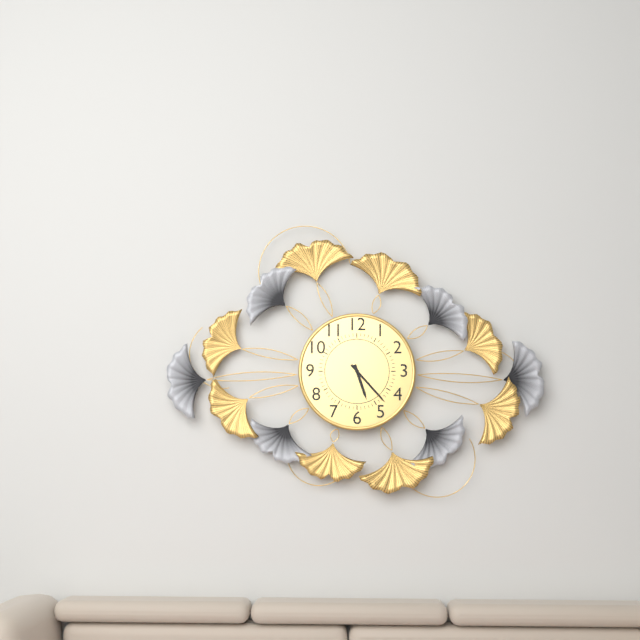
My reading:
**5:23**
